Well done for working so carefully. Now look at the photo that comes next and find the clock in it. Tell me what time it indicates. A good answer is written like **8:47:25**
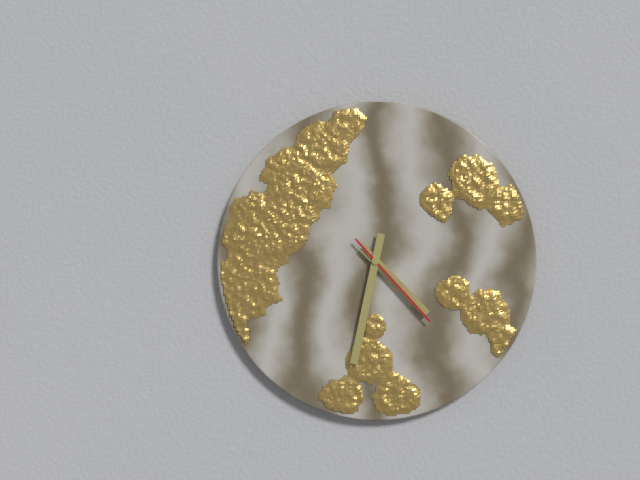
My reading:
**4:32:23**
